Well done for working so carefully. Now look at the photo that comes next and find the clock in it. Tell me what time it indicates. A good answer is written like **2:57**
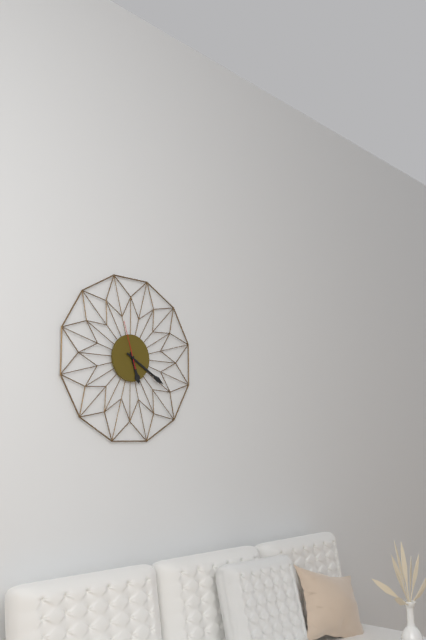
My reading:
**5:20**
